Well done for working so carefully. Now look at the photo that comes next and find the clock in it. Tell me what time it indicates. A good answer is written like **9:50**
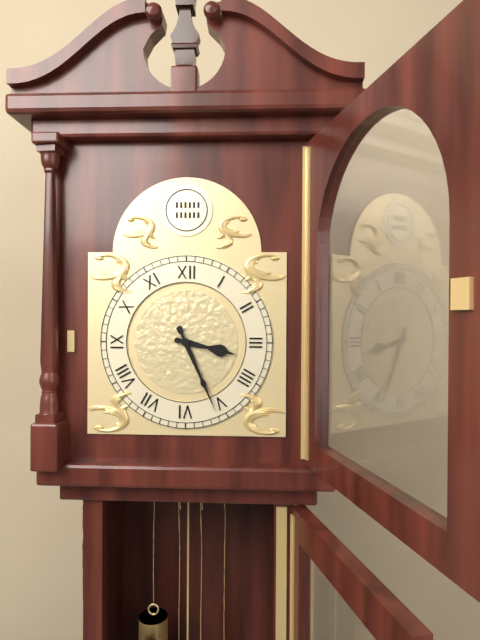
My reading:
**3:26**
